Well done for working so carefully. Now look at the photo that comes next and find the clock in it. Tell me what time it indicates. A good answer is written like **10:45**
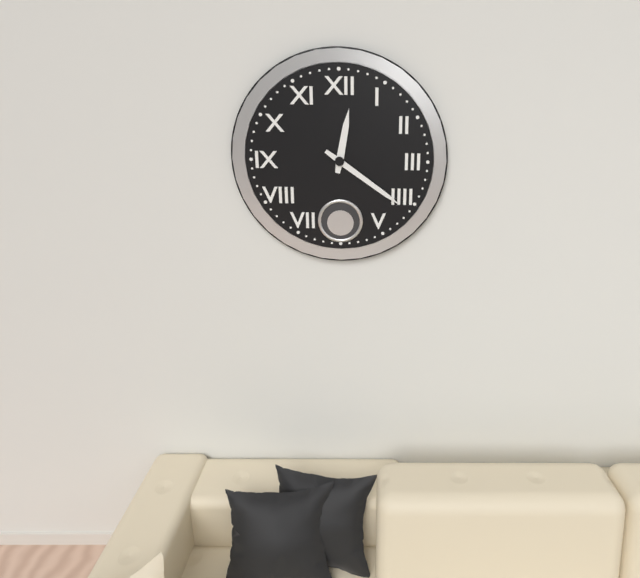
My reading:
**12:21**
